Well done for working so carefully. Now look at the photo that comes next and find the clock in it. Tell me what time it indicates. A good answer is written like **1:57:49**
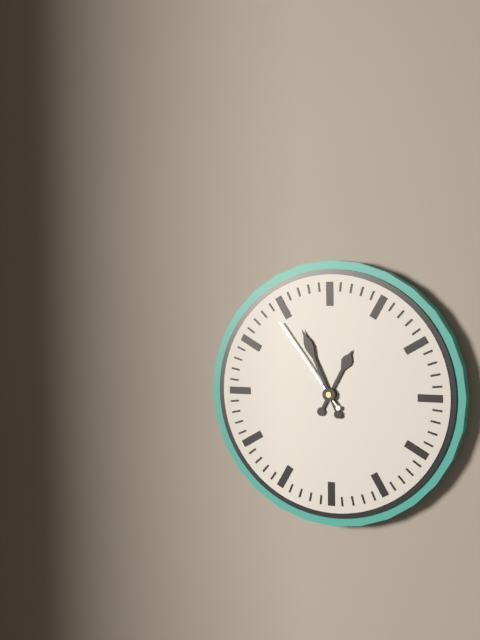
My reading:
**12:56:54**
